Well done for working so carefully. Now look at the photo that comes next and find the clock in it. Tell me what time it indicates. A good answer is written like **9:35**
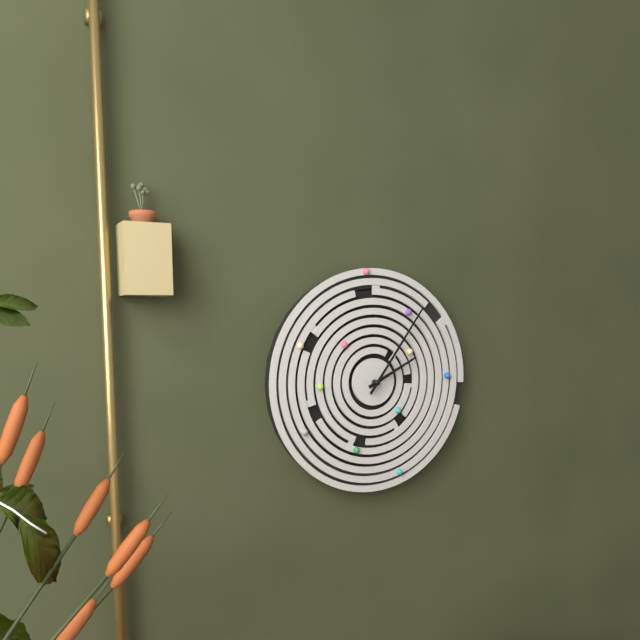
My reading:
**2:06**
